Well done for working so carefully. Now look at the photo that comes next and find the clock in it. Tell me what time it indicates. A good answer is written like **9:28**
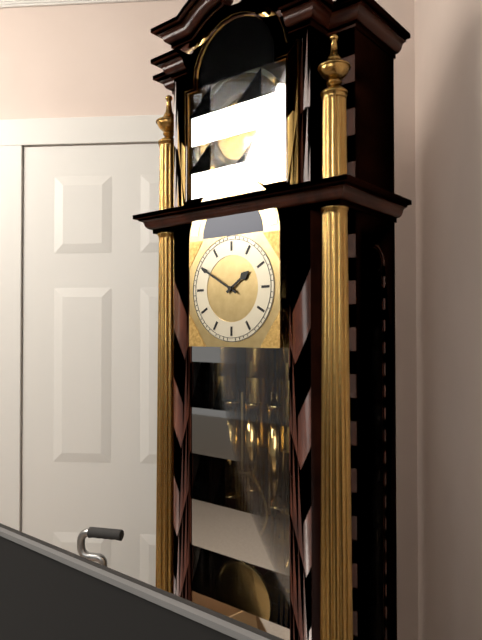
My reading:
**1:50**
